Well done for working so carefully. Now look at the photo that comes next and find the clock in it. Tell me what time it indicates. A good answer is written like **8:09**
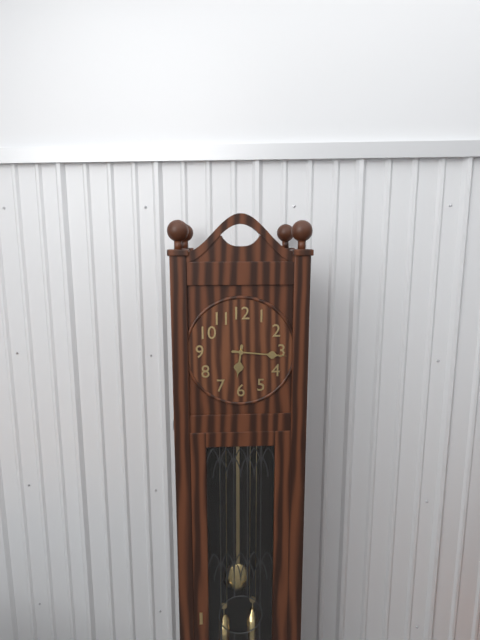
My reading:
**6:16**
